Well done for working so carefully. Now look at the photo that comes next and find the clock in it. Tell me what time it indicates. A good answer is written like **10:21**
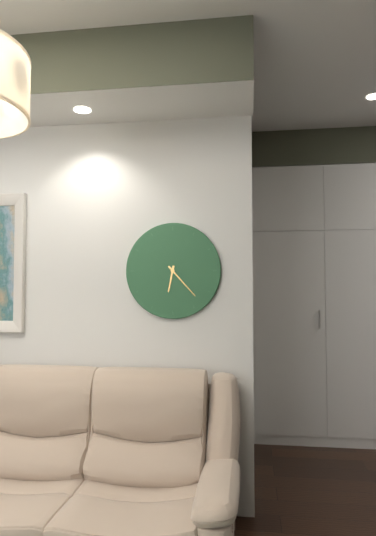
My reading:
**6:23**
